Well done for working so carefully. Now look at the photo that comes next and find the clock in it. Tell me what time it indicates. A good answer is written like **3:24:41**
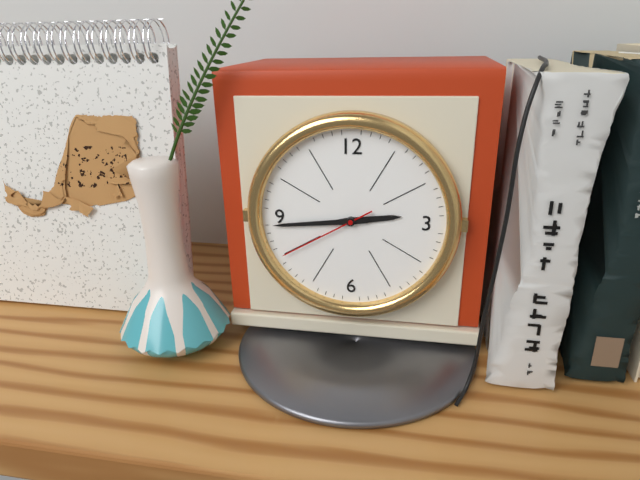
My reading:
**2:44:40**
